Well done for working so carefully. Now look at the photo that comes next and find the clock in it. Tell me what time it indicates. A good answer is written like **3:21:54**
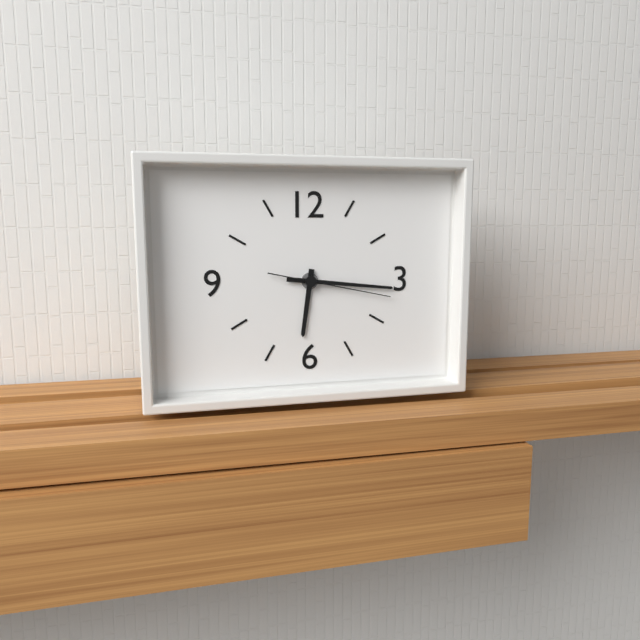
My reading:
**6:16:17**
